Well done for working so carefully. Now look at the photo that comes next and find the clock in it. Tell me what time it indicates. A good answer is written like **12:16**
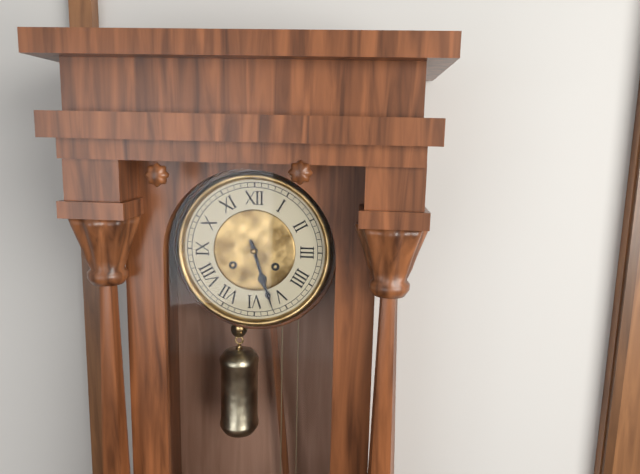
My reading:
**5:27**
